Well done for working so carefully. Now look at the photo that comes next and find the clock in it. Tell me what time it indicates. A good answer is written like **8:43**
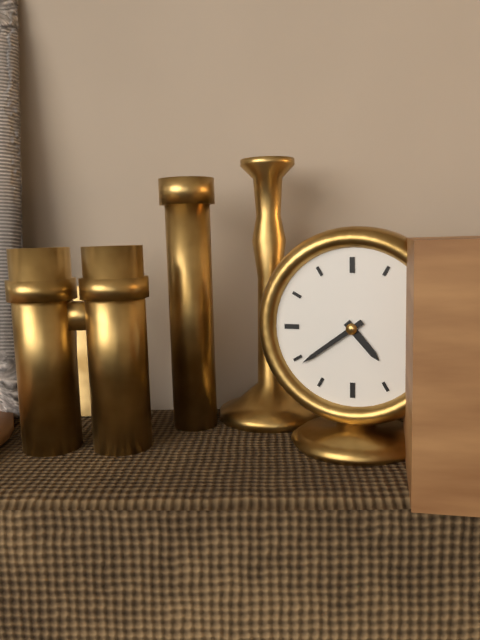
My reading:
**4:39**
